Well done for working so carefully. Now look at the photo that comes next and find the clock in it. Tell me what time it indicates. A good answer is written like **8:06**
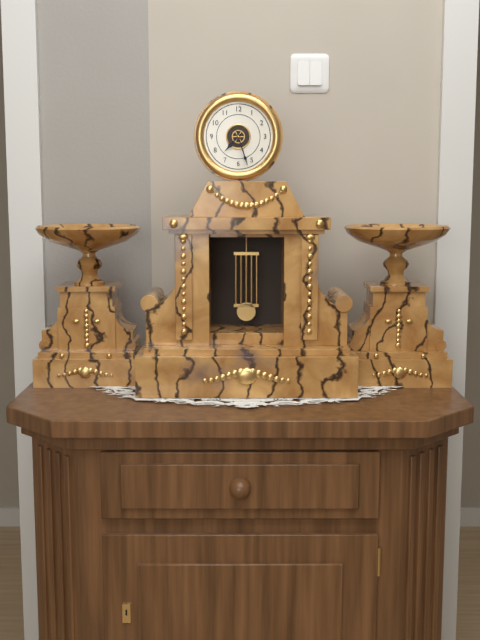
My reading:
**7:27**
